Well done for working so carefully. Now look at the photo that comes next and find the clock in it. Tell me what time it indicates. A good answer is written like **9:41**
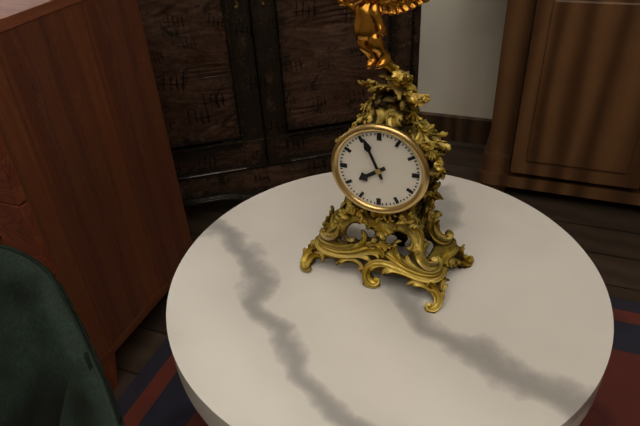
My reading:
**7:56**
